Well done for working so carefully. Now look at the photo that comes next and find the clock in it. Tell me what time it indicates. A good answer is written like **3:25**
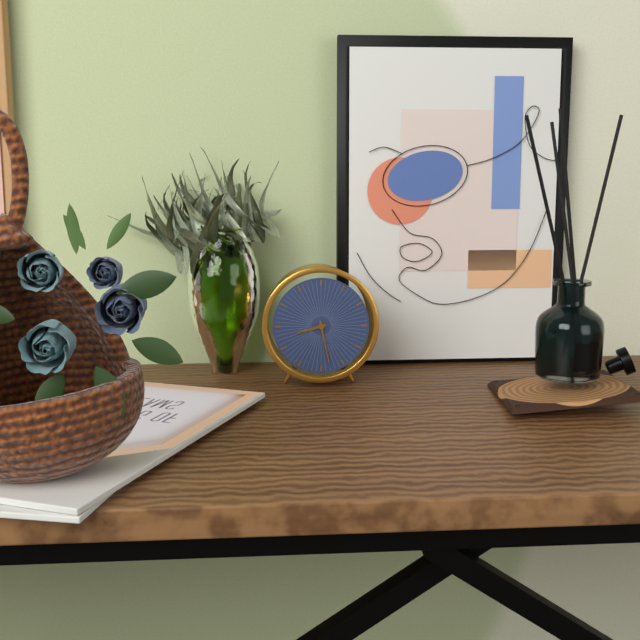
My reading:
**8:28**
